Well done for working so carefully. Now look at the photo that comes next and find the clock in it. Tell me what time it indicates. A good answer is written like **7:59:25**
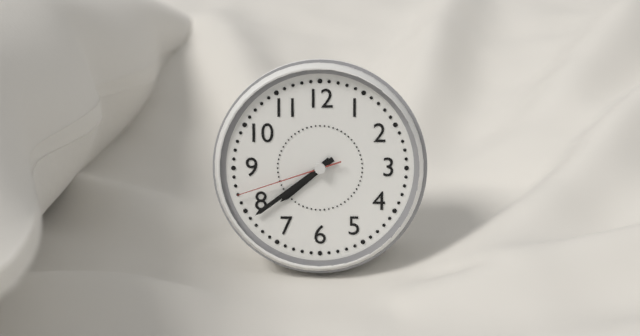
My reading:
**7:39:42**
